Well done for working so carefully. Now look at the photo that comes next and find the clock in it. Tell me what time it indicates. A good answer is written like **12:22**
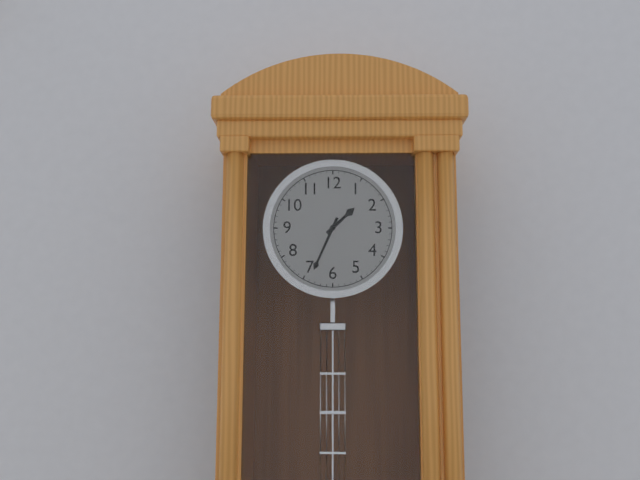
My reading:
**1:34**
